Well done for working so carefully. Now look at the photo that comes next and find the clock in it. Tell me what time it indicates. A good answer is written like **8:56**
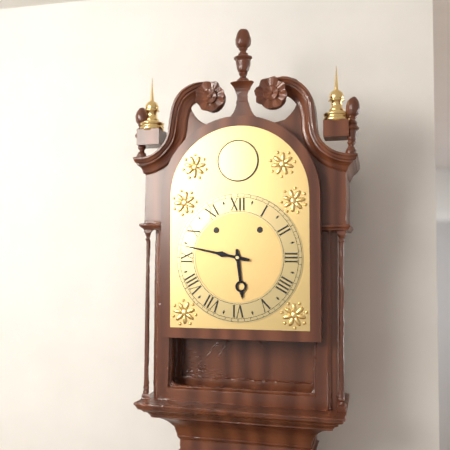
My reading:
**5:47**
